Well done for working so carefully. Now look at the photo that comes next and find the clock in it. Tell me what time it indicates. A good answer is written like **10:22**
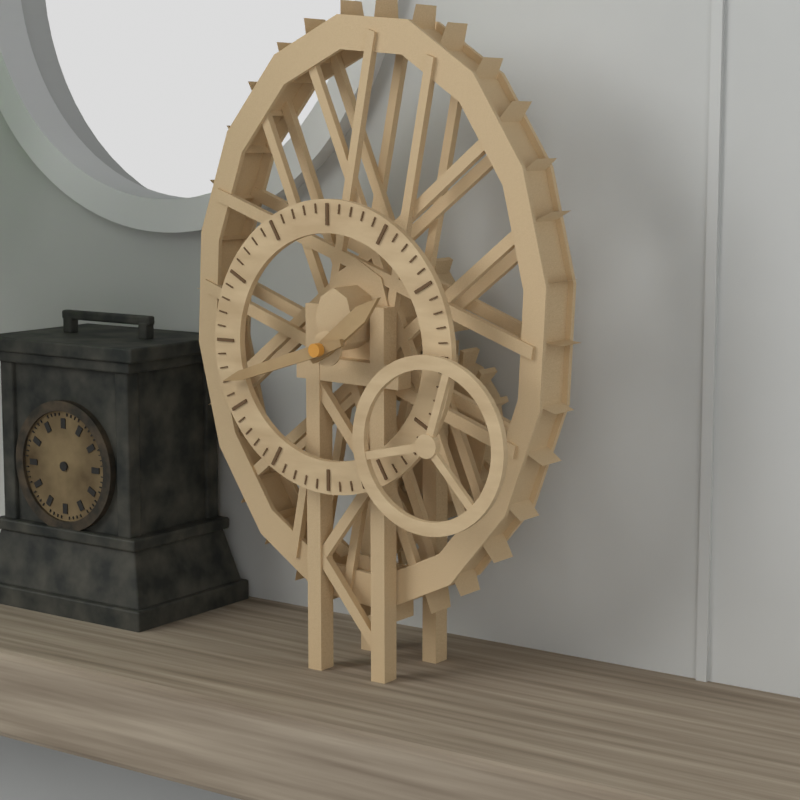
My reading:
**1:42**
